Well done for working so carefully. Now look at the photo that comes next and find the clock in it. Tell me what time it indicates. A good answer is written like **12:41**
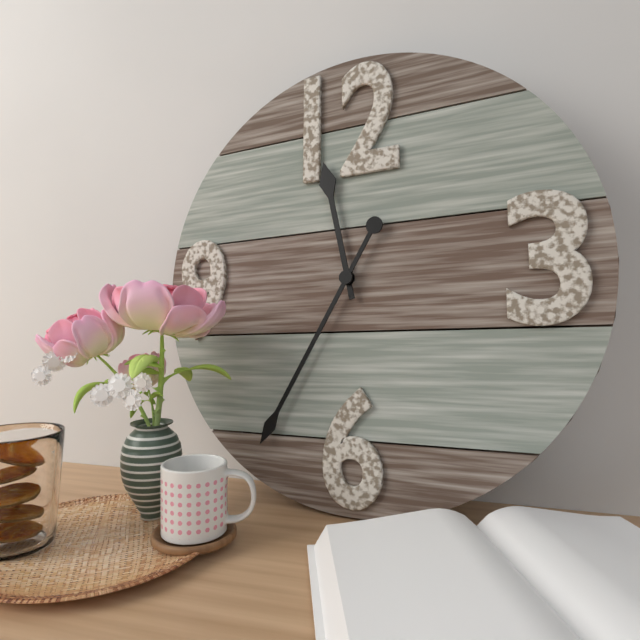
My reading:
**11:35**
